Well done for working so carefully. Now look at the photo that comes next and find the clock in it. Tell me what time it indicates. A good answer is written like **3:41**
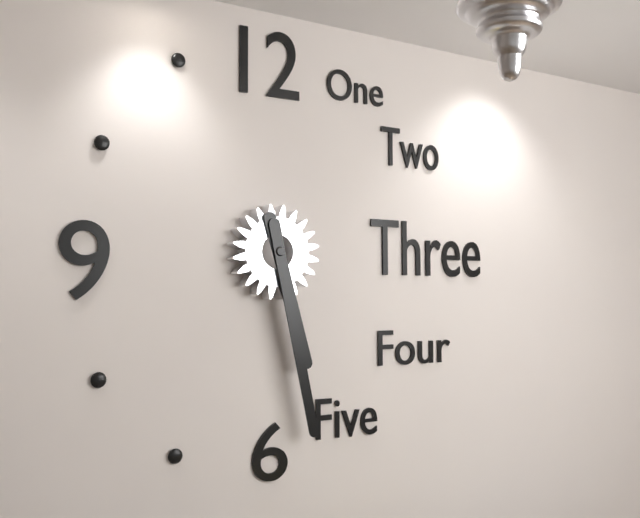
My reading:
**5:28**
